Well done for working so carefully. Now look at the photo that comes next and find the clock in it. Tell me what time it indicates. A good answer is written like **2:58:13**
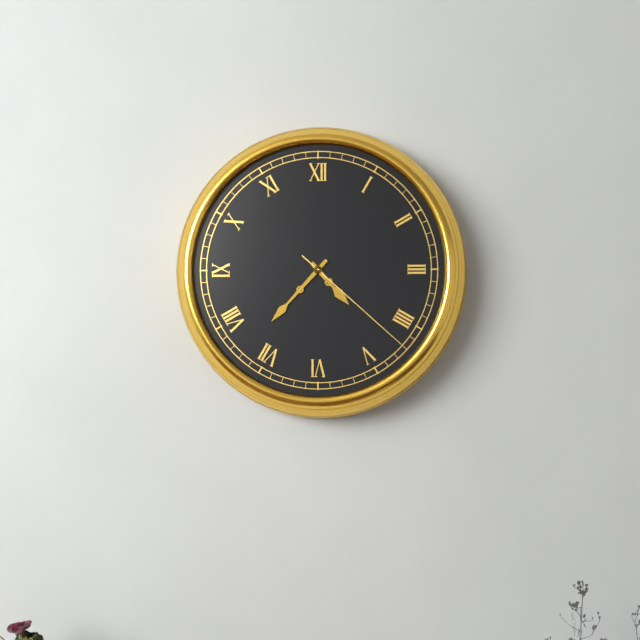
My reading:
**4:37:22**
